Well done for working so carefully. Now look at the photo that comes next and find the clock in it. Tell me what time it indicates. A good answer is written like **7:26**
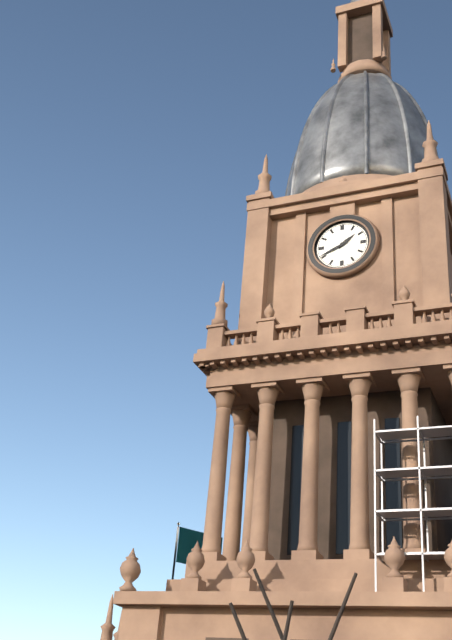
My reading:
**1:41**
